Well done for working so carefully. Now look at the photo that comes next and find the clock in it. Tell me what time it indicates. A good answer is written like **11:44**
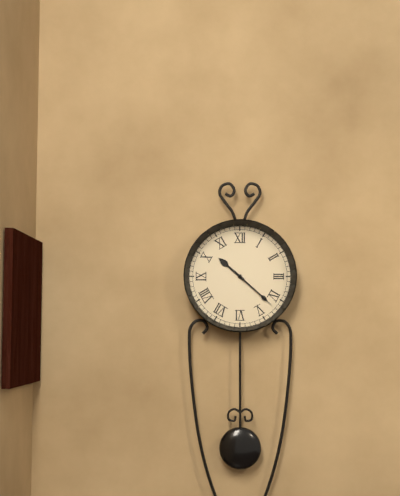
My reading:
**10:22**
